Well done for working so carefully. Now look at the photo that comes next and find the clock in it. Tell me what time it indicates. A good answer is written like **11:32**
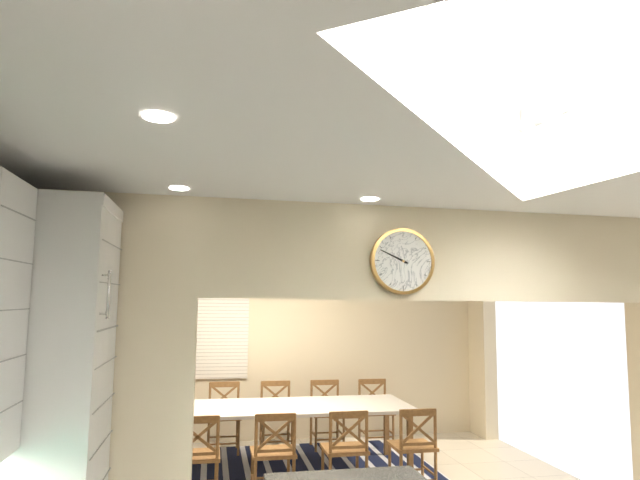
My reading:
**9:49**
